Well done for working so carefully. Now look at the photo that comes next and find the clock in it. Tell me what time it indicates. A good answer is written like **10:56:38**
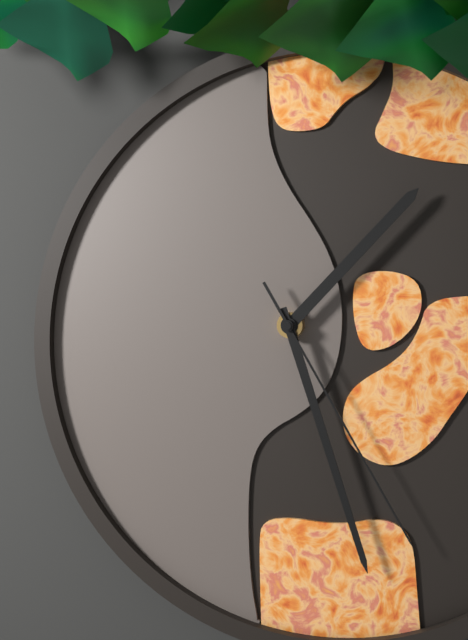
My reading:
**1:27:25**
